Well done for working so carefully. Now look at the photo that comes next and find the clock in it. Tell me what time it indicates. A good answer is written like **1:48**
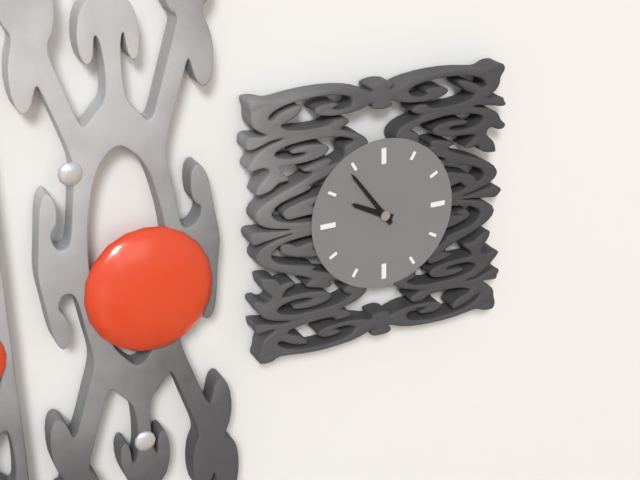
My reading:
**9:54**
